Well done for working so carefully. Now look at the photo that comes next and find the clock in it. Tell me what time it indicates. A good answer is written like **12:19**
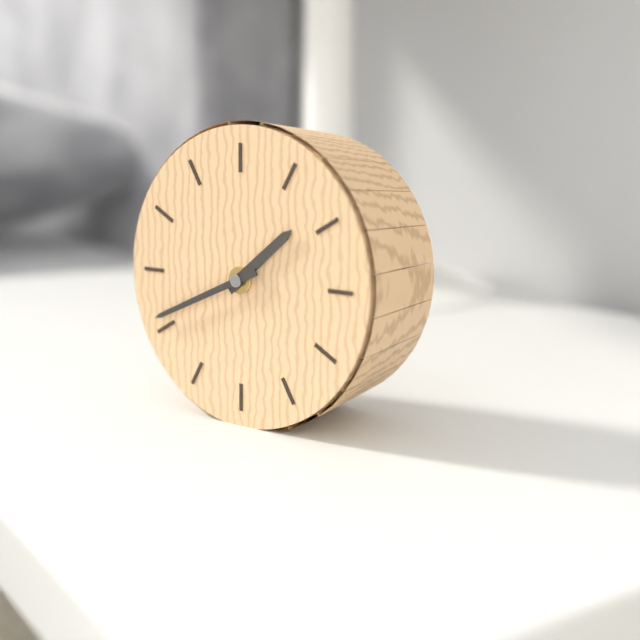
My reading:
**1:41**
